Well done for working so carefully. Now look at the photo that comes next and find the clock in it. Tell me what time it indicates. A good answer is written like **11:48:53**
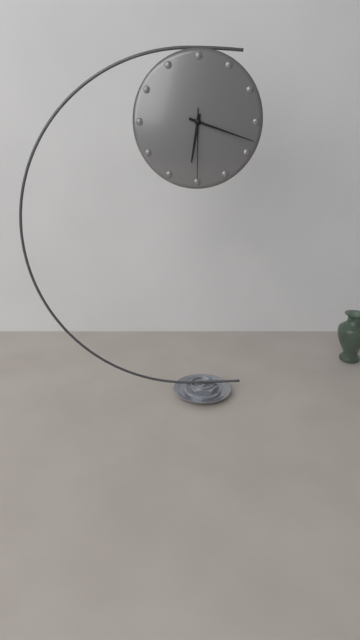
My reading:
**6:18:30**
